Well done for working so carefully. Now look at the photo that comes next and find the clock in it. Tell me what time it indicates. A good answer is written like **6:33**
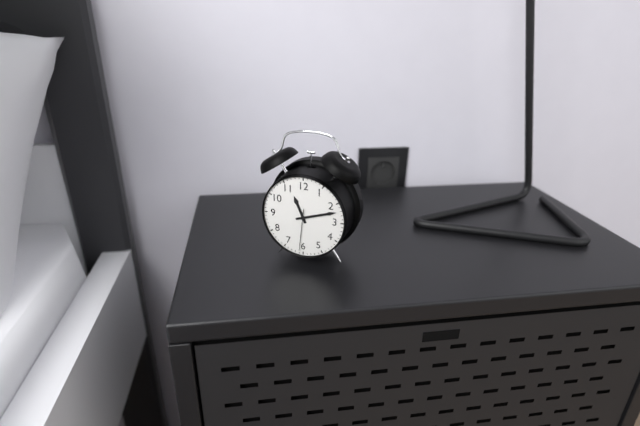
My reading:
**11:12**
